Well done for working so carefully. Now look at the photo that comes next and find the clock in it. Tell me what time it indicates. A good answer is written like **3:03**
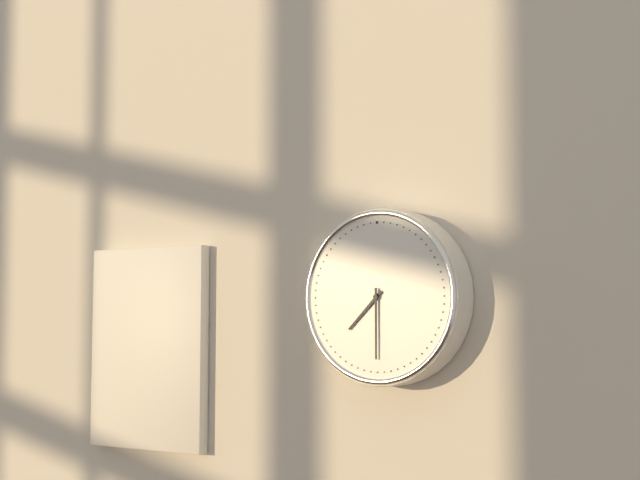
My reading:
**7:30**
